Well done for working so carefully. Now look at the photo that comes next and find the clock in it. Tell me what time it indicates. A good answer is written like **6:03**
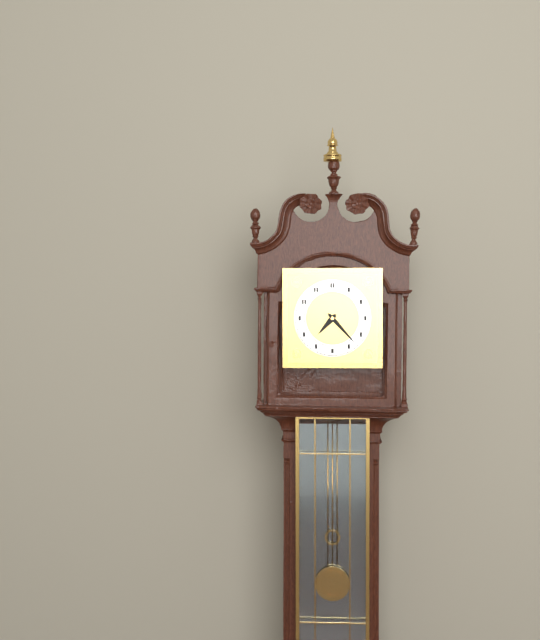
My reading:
**7:23**
